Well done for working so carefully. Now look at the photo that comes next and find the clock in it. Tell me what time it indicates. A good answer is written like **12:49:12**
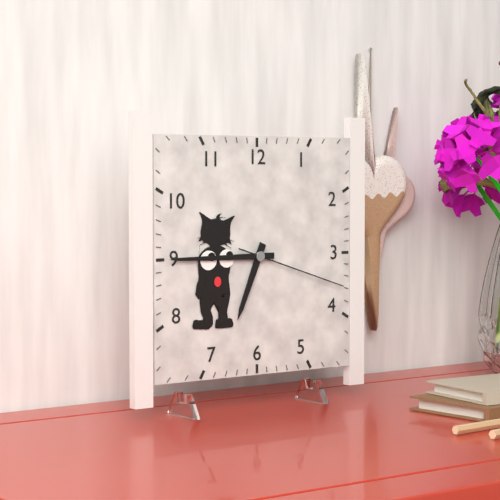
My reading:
**6:45:18**
